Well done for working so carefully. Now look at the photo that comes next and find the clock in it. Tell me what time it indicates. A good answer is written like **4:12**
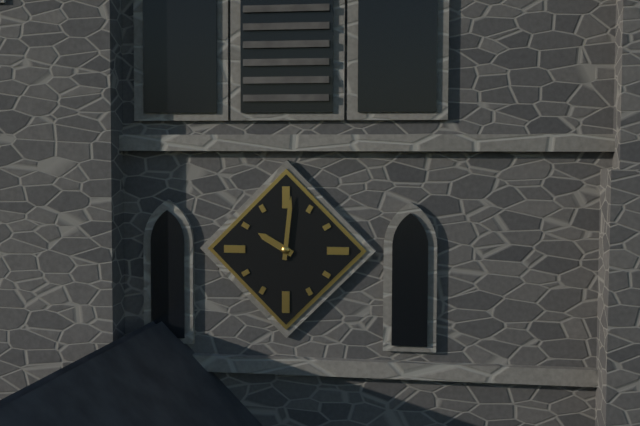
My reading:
**10:01**
